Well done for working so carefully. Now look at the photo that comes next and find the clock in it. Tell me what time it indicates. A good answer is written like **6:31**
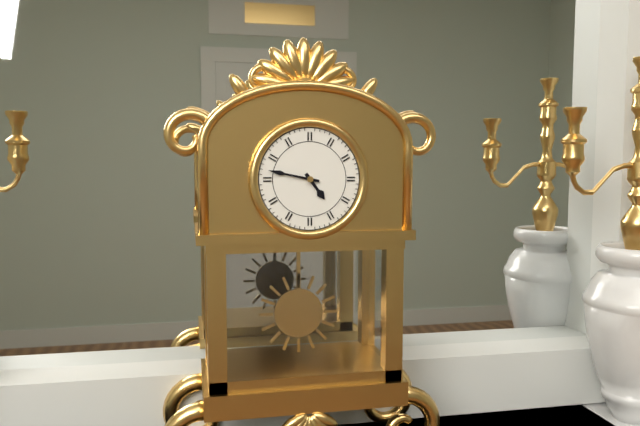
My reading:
**4:47**
